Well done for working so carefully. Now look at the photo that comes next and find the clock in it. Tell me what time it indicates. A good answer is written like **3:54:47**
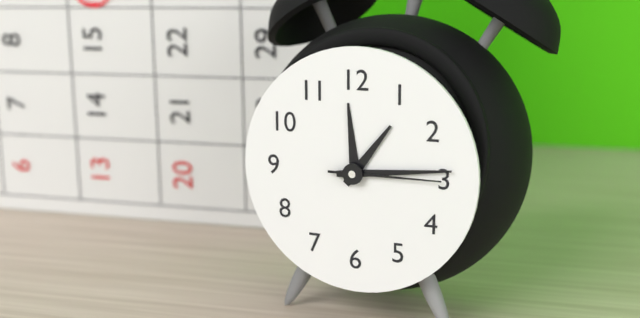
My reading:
**1:14:15**
